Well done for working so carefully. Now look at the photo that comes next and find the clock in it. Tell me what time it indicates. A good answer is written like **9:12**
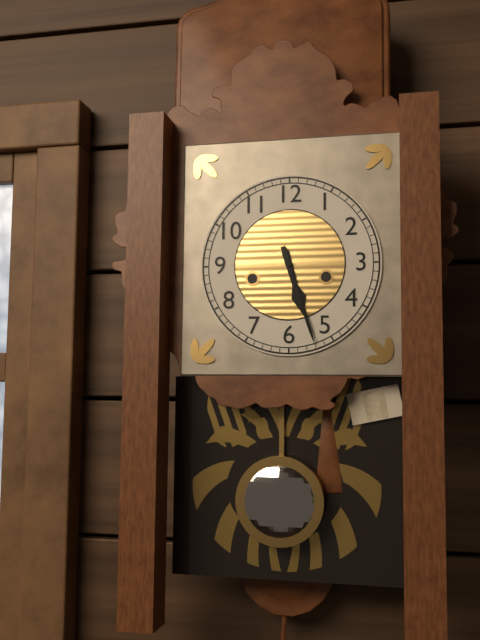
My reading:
**5:27**
